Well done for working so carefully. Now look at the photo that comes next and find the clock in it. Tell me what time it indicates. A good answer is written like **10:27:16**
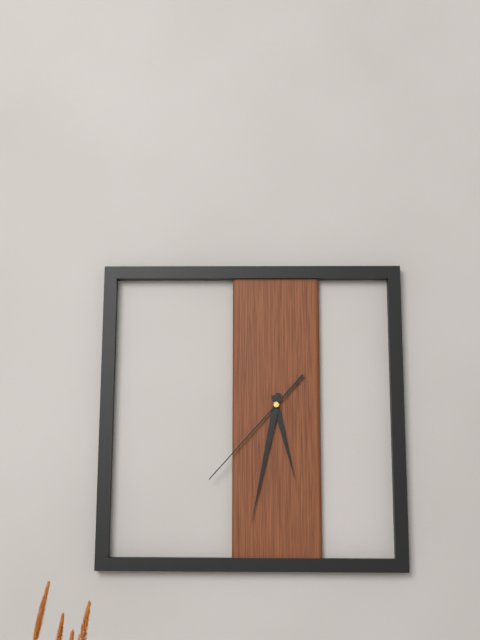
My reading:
**5:32:37**
